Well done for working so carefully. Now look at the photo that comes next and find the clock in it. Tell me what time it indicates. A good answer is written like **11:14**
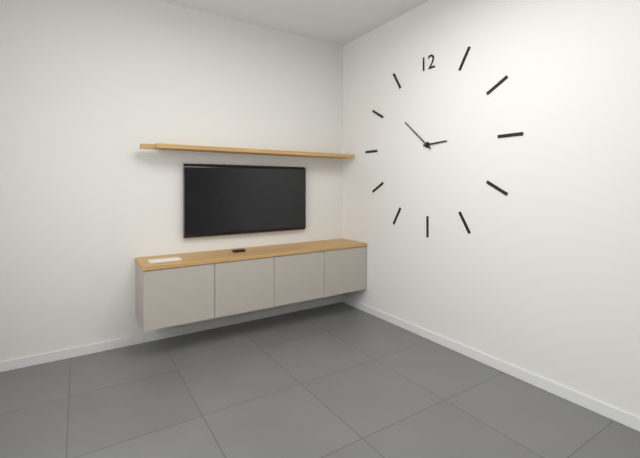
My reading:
**2:52**
